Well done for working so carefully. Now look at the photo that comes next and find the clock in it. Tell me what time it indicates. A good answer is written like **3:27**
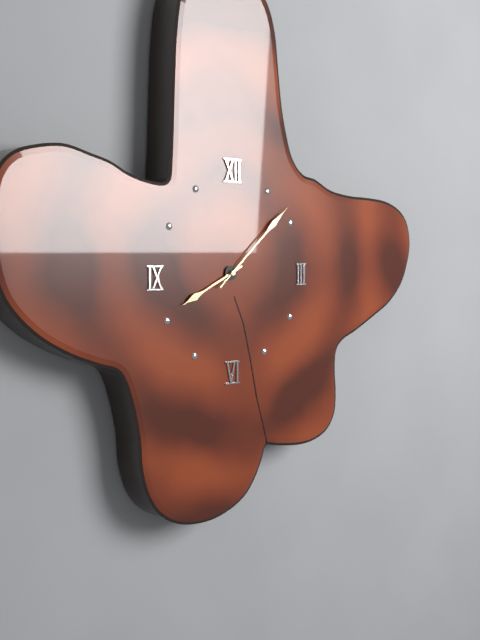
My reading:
**8:08**
